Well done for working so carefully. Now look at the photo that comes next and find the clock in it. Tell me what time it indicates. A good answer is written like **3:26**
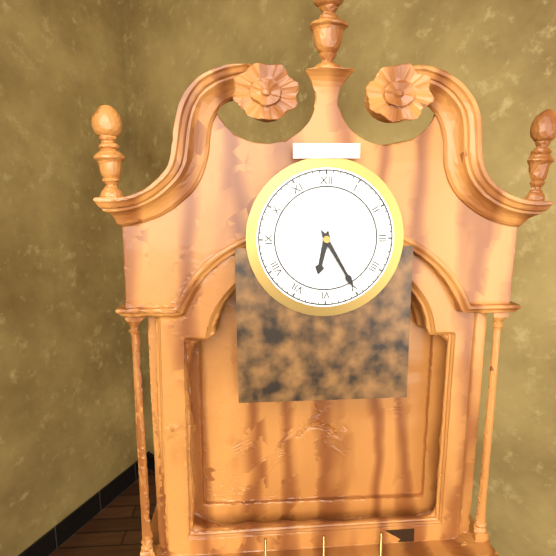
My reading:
**6:25**
